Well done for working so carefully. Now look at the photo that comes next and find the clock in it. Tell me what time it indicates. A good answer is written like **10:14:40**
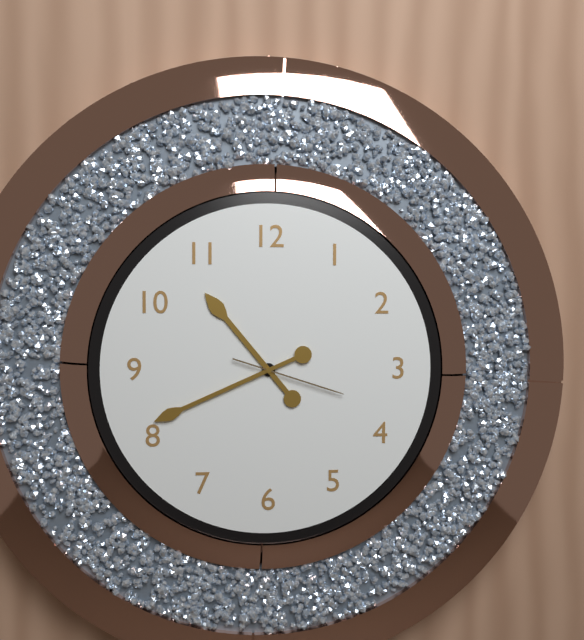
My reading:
**10:41:18**
